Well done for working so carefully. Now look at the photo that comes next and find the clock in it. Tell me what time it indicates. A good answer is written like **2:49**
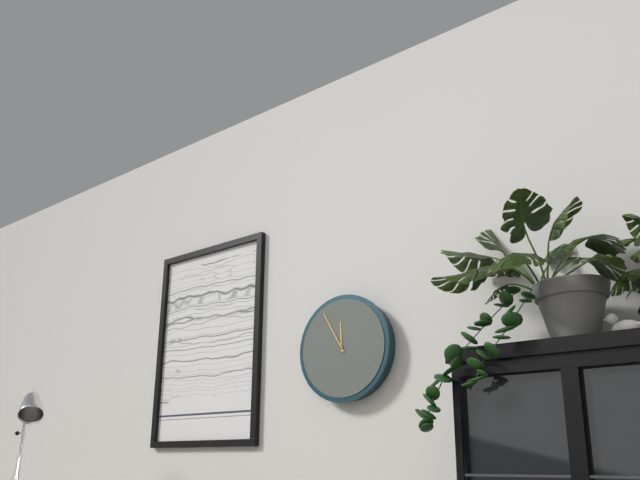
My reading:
**11:55**
